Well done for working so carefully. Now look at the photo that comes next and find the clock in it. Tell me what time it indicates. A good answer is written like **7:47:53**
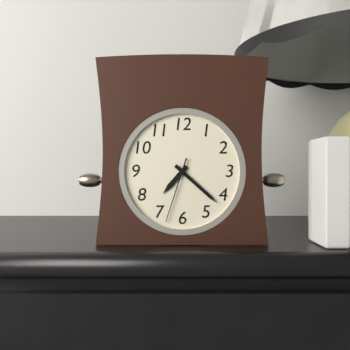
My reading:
**7:22:33**
